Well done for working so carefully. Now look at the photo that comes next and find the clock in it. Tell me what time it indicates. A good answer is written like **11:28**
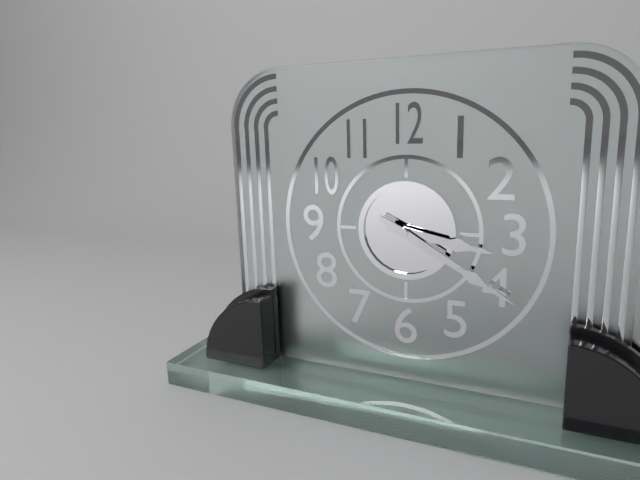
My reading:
**3:20**
